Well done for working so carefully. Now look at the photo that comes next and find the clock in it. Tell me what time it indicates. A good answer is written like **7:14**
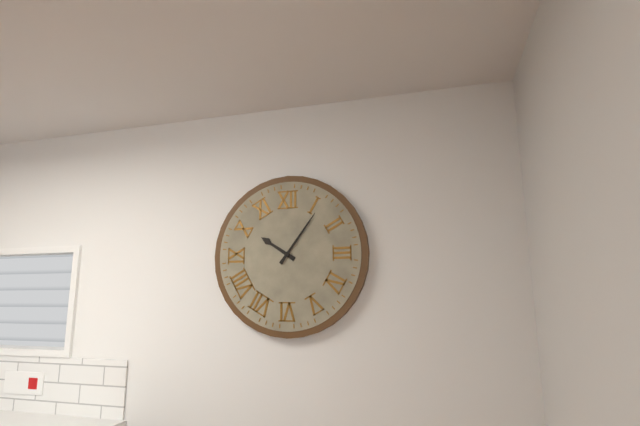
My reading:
**10:06**
